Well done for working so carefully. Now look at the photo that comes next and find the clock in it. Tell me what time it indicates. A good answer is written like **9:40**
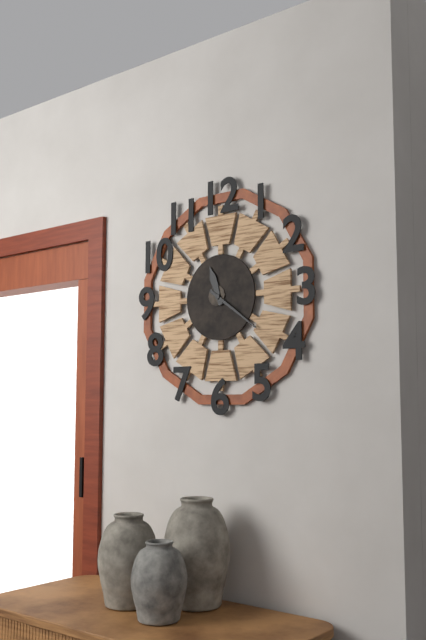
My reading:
**11:21**
